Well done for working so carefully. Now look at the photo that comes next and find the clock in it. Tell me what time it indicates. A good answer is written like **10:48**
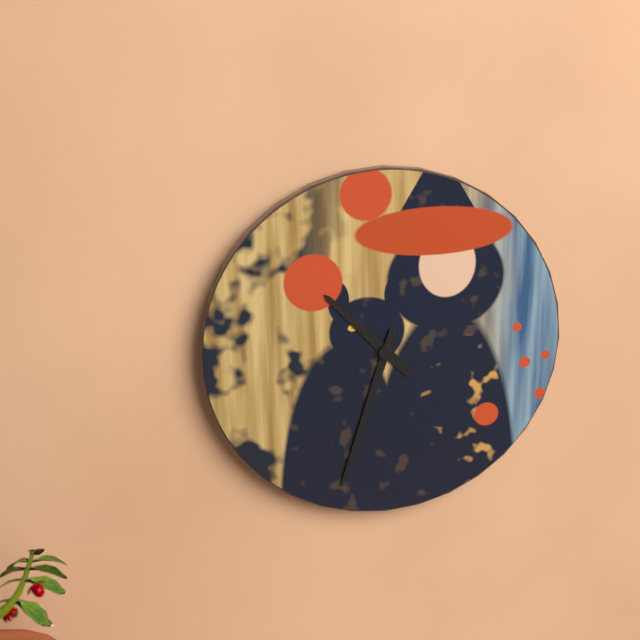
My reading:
**10:33**
